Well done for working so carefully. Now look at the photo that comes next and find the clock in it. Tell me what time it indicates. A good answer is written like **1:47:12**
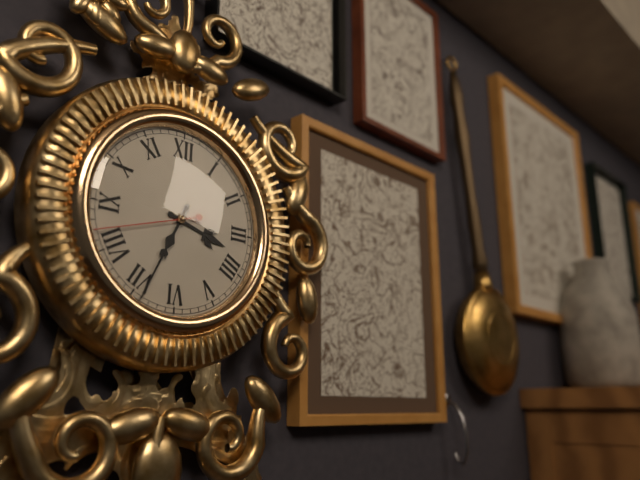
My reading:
**3:34:42**
